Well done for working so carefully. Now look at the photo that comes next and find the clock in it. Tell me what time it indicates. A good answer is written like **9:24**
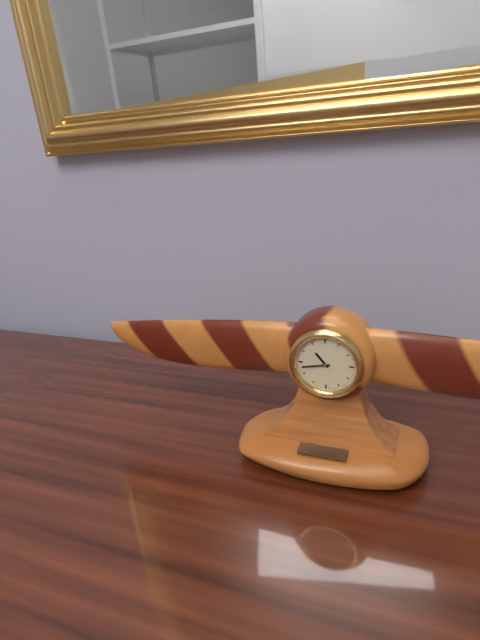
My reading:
**10:43**
